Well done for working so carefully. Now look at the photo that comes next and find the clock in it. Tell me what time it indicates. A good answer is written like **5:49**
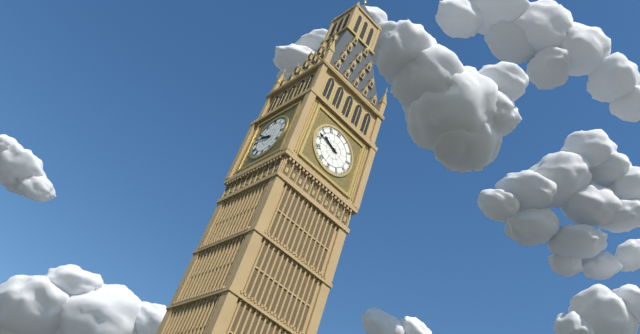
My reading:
**9:47**
